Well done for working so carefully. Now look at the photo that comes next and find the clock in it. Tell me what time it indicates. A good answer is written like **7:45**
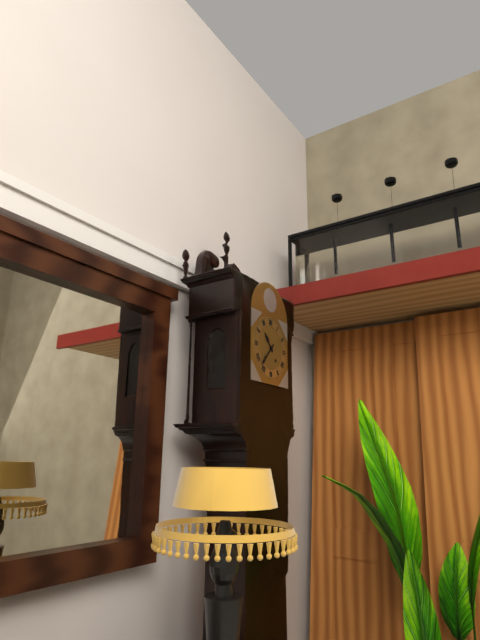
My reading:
**10:37**
